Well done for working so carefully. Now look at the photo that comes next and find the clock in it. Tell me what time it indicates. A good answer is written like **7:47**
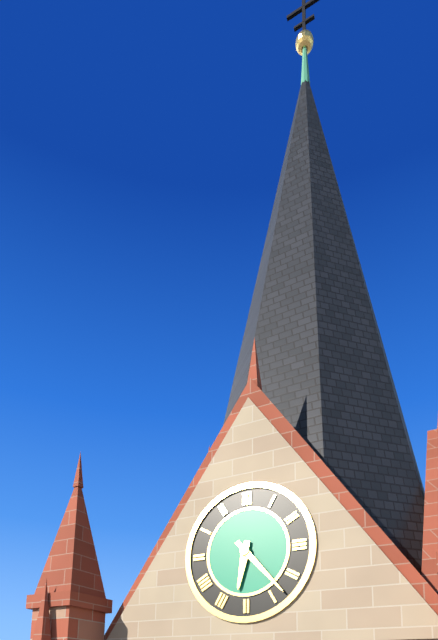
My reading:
**6:23**
